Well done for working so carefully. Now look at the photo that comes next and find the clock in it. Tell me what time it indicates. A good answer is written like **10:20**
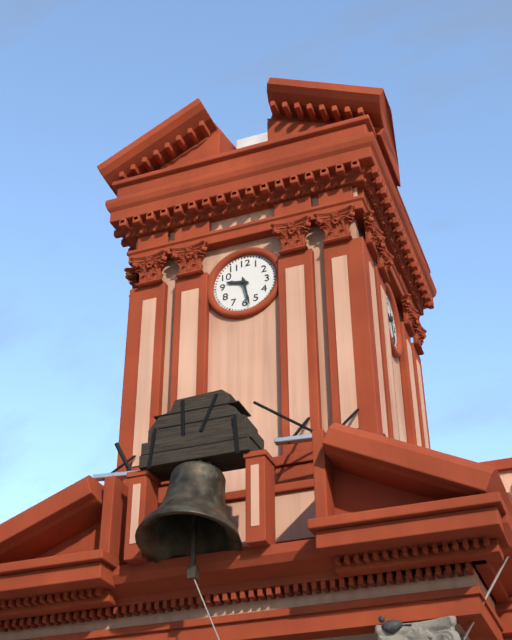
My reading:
**9:28**
